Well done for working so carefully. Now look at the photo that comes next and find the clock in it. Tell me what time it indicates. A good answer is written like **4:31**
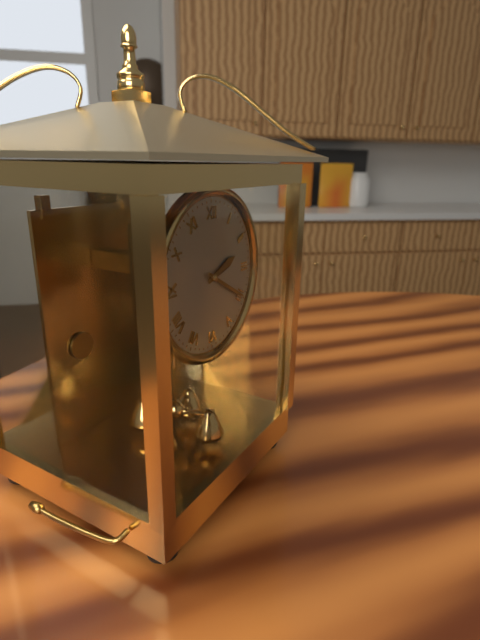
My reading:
**2:20**
